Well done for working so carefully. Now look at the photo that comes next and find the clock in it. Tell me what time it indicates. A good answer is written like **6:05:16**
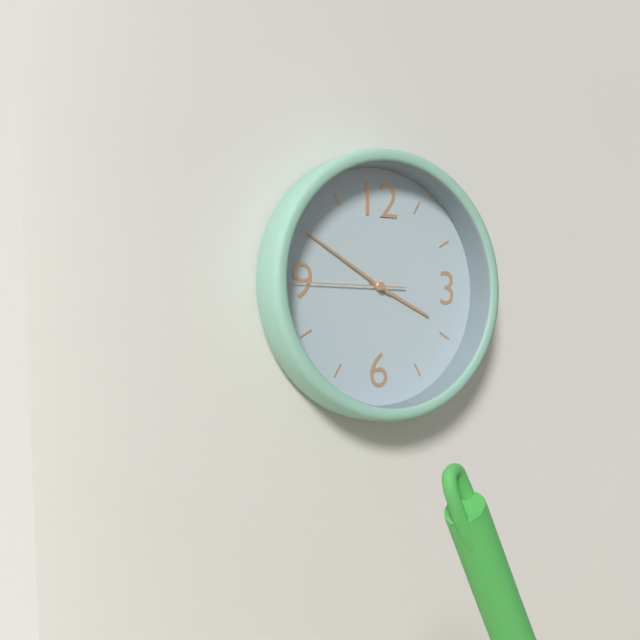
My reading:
**3:50:45**
